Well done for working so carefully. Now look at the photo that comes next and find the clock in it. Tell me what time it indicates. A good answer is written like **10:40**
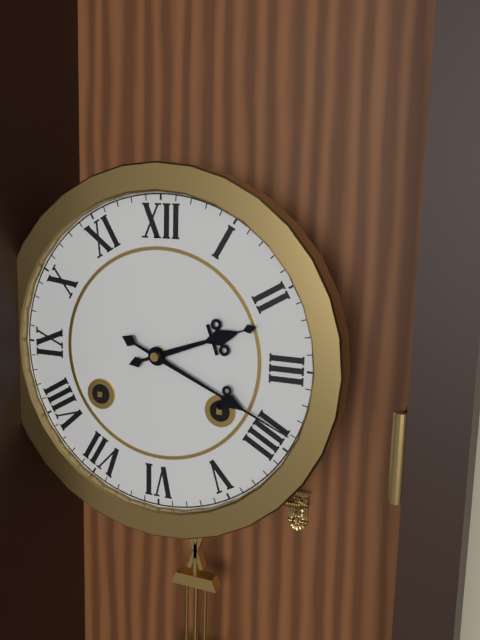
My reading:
**2:19**
